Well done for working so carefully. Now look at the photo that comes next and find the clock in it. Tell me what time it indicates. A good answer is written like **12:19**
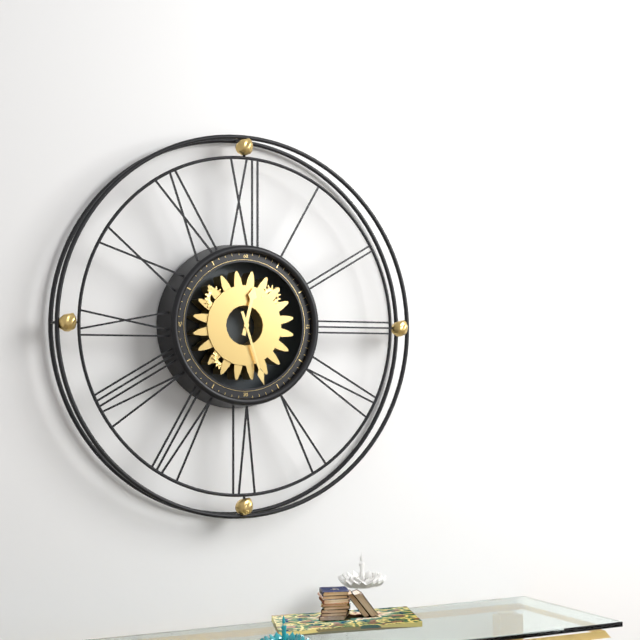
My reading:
**12:27**
